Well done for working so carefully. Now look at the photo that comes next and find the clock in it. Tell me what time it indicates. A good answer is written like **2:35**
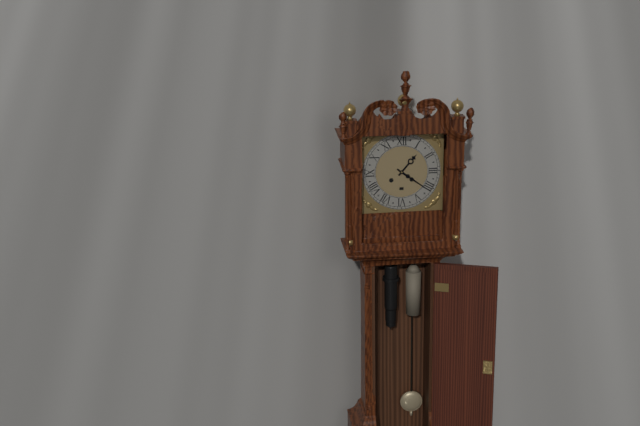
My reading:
**1:21**
